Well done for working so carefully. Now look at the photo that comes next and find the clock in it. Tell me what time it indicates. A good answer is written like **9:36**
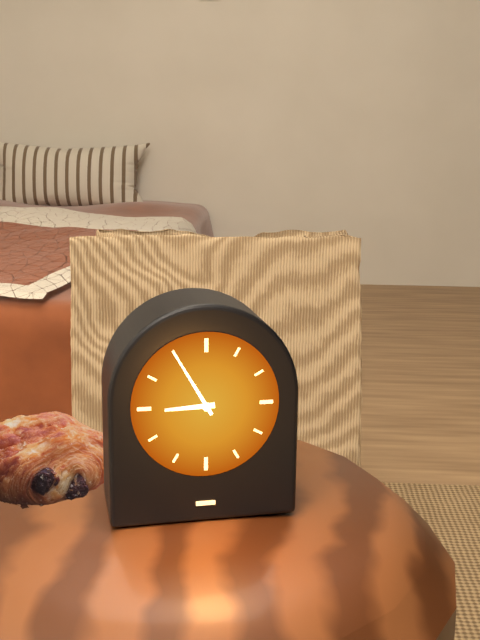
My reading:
**8:55**
